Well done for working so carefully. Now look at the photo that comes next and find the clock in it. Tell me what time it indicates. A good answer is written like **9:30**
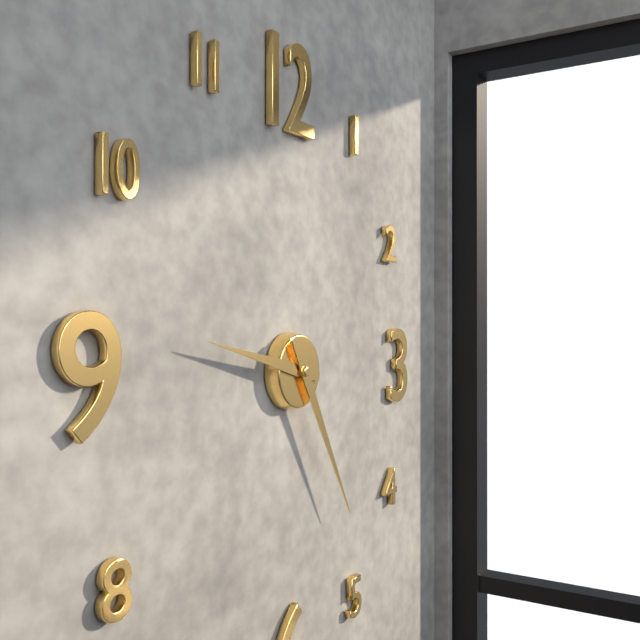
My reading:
**9:25**
